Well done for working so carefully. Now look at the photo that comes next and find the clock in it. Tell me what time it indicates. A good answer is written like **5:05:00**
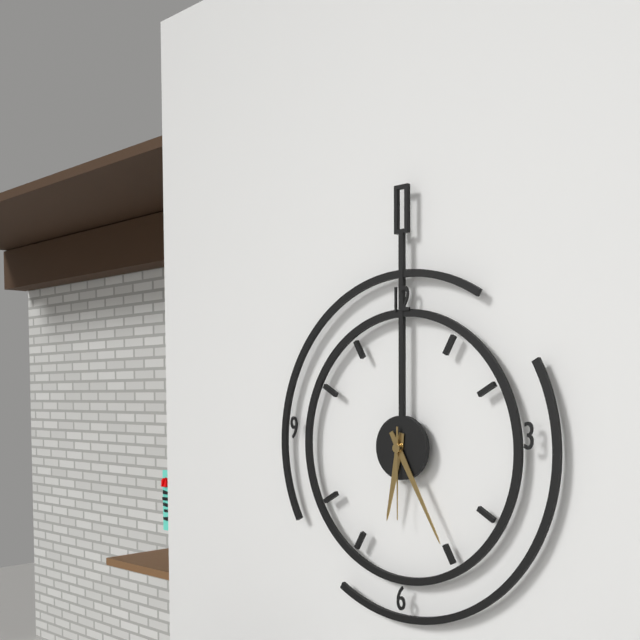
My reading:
**6:25:30**
